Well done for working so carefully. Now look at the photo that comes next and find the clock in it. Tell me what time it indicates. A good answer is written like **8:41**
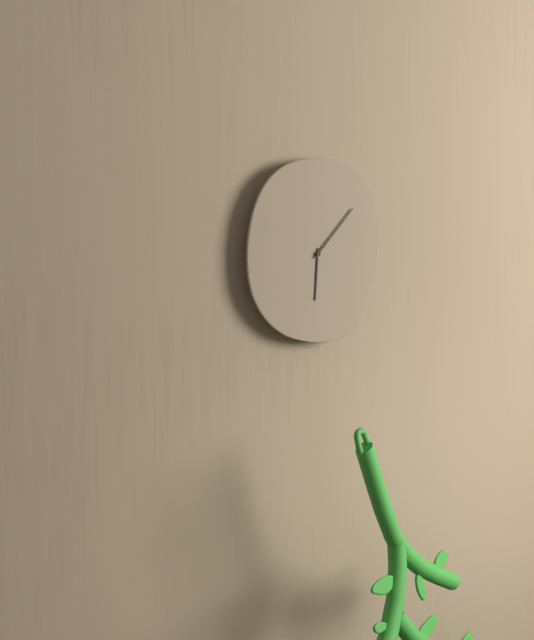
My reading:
**6:07**
